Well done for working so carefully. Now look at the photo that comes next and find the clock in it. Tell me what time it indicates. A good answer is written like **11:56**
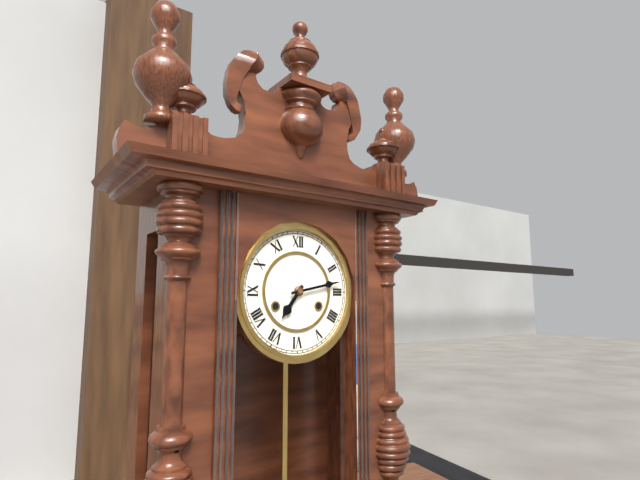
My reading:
**7:13**
